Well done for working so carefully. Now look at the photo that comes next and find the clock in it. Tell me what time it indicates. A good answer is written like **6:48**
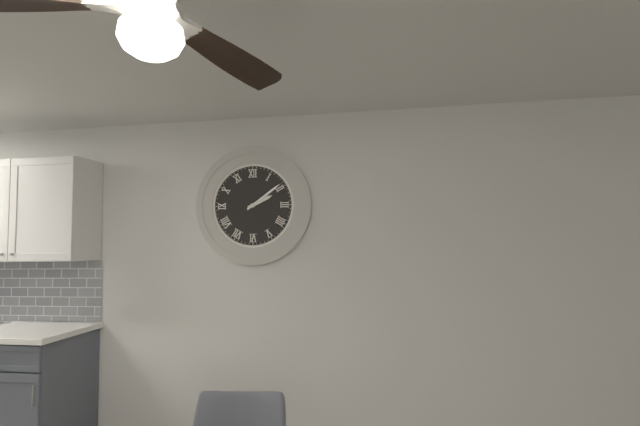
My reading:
**2:09**
